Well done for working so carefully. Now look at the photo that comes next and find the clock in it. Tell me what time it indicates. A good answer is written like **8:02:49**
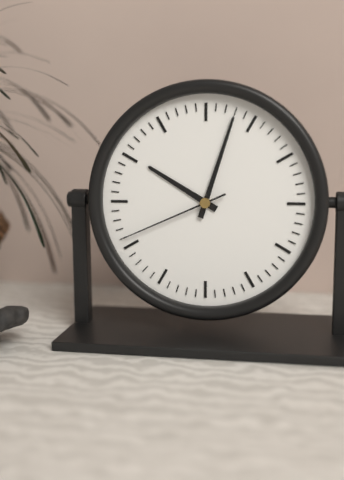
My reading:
**10:03:41**
